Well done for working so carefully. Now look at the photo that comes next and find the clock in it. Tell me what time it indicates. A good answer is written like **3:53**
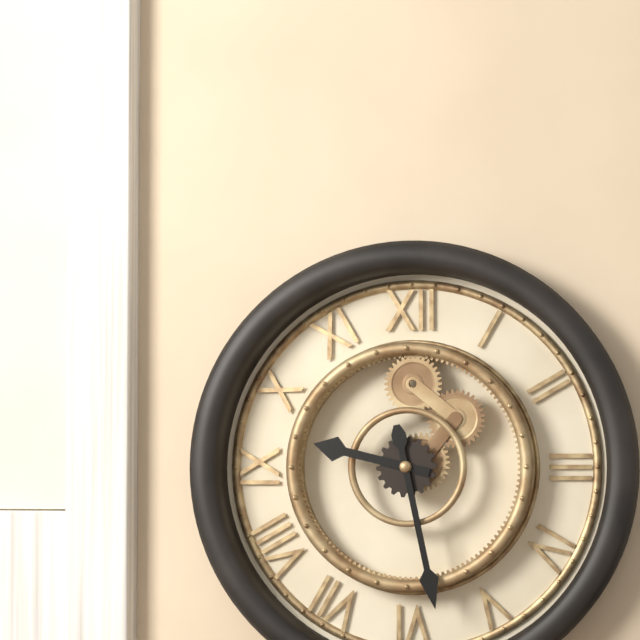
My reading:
**9:28**
